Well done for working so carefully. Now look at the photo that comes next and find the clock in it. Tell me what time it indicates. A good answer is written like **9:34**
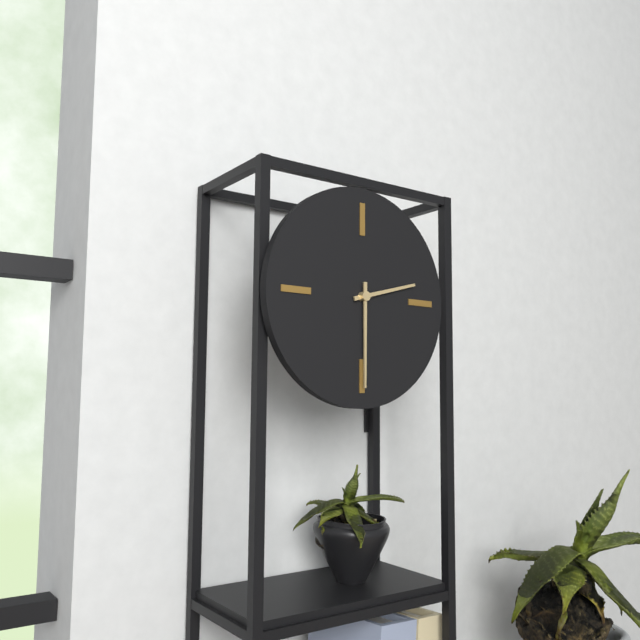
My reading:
**2:30**
